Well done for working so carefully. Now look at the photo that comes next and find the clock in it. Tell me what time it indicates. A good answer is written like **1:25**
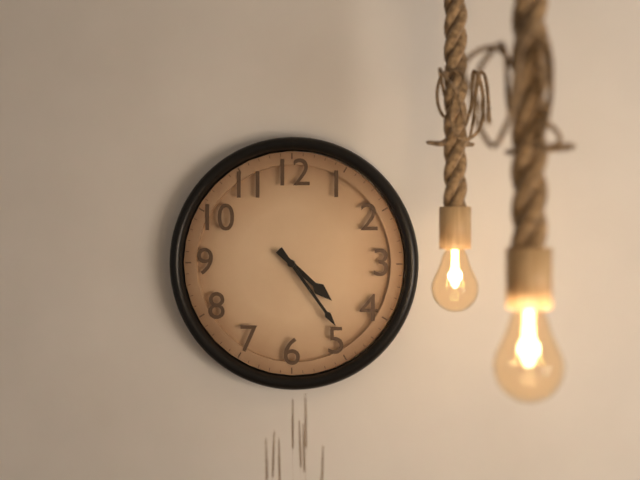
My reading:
**4:24**
